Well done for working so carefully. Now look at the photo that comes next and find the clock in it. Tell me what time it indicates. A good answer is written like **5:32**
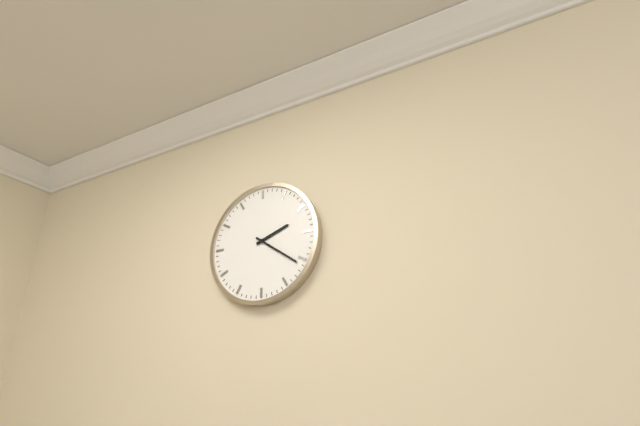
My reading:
**2:21**
